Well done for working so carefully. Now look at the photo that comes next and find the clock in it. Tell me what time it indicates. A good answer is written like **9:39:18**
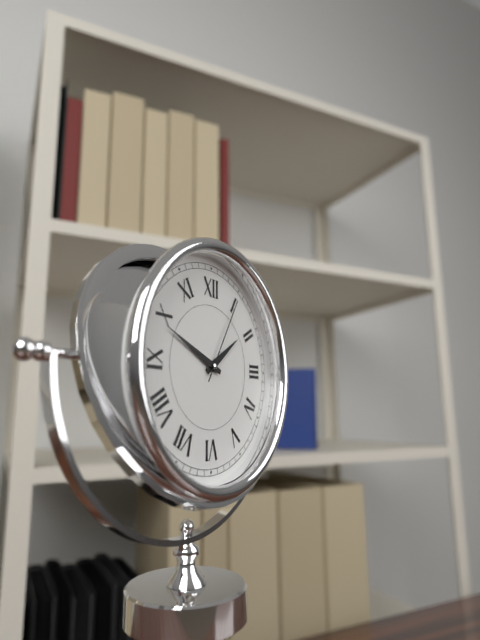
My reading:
**1:49:05**
